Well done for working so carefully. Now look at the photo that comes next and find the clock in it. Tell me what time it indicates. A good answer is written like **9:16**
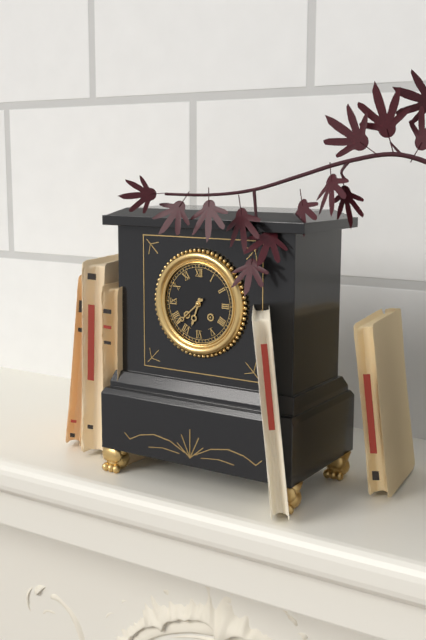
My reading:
**6:38**
